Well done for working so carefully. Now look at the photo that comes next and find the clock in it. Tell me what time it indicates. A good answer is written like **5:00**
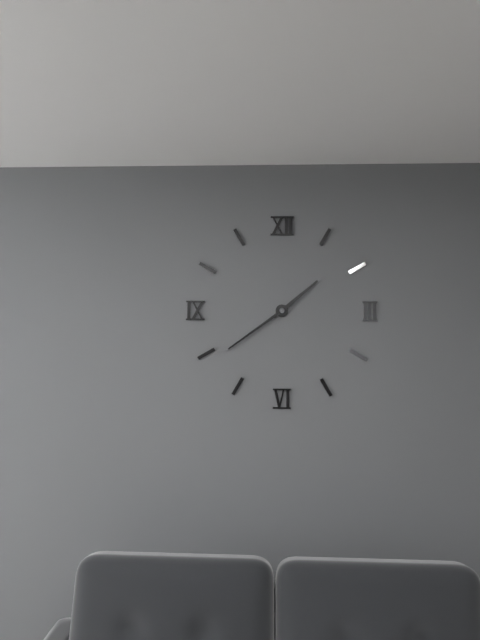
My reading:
**1:39**
